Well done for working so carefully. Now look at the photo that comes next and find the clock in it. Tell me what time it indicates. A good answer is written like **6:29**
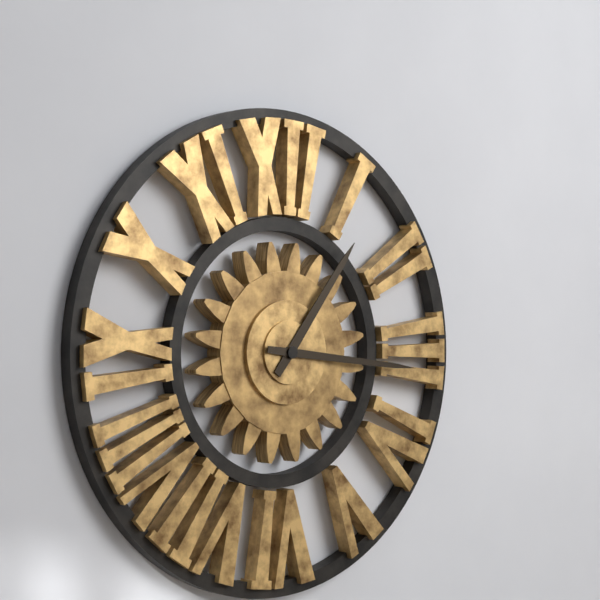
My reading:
**1:16**
